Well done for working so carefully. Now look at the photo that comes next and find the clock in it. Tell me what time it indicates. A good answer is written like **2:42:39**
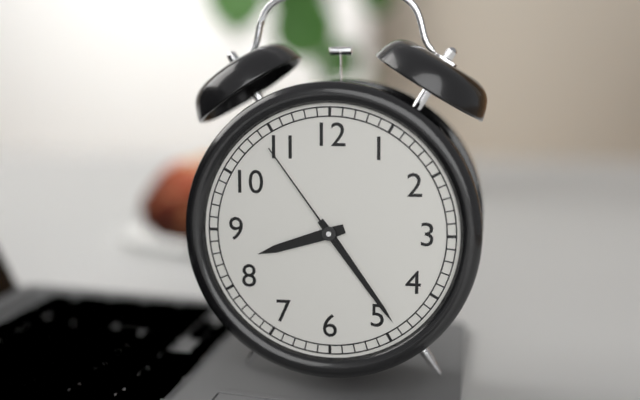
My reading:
**8:24:54**
